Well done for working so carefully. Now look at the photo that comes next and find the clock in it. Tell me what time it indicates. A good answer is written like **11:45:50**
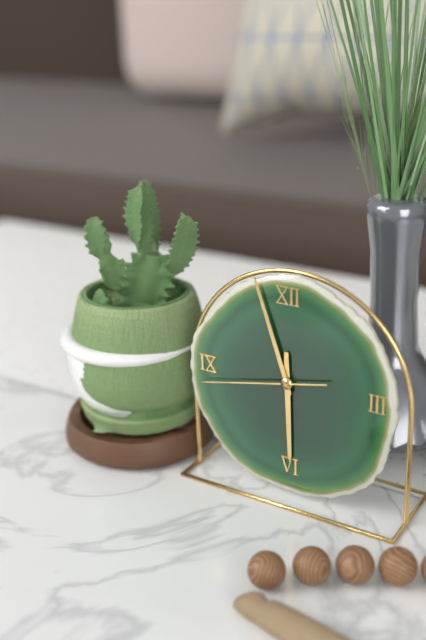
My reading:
**5:57:43**
